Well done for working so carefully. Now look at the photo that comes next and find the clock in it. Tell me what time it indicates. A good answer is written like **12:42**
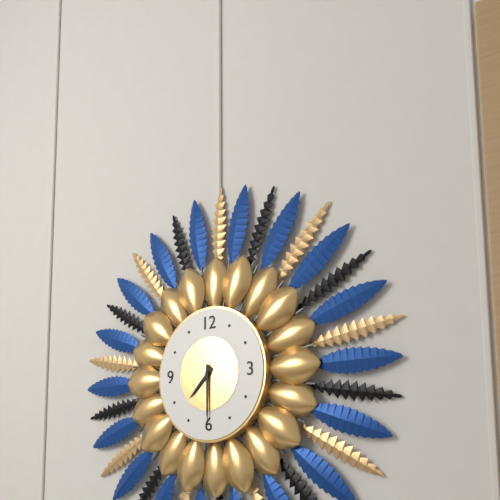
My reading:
**7:30**
